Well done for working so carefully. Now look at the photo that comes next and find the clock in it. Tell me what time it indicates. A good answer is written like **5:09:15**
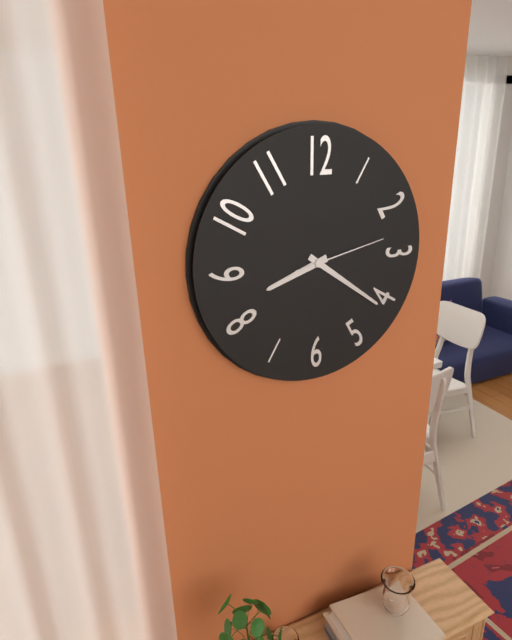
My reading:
**8:21:13**
